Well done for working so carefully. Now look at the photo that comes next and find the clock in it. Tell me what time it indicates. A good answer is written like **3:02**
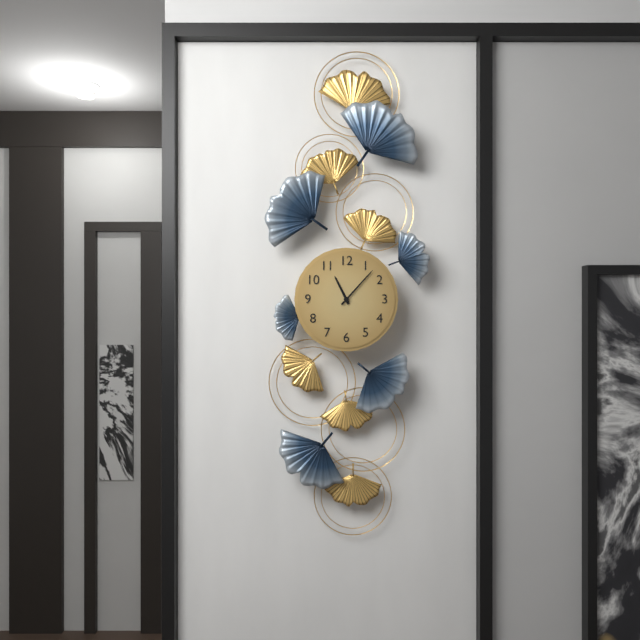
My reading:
**11:07**
